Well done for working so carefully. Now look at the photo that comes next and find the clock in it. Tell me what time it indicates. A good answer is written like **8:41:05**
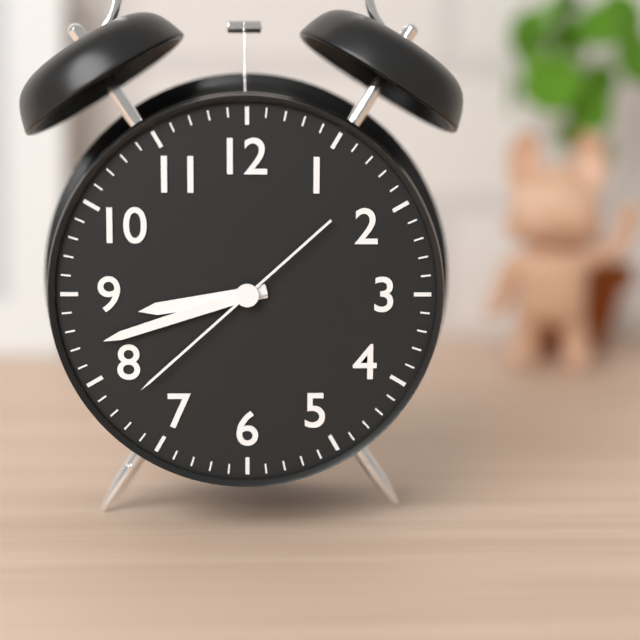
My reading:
**8:42:38**
